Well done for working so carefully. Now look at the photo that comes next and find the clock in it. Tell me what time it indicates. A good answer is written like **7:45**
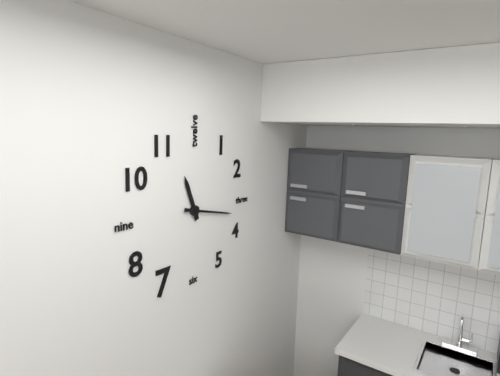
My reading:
**11:17**
